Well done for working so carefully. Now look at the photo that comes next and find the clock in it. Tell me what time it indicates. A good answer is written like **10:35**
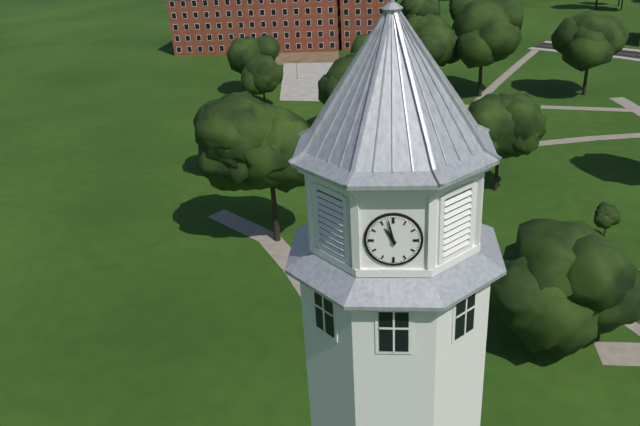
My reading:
**10:58**
